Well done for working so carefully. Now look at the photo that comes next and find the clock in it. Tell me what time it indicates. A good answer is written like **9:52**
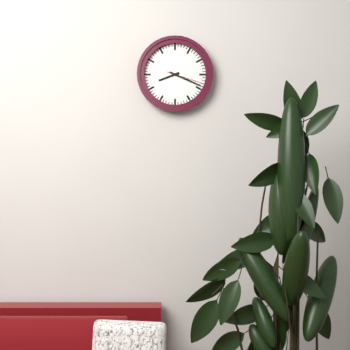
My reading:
**8:19**
